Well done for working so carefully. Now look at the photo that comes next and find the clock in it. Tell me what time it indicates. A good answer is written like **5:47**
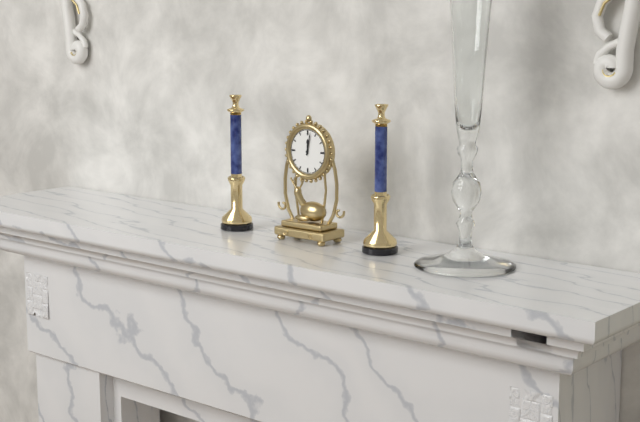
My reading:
**12:02**
